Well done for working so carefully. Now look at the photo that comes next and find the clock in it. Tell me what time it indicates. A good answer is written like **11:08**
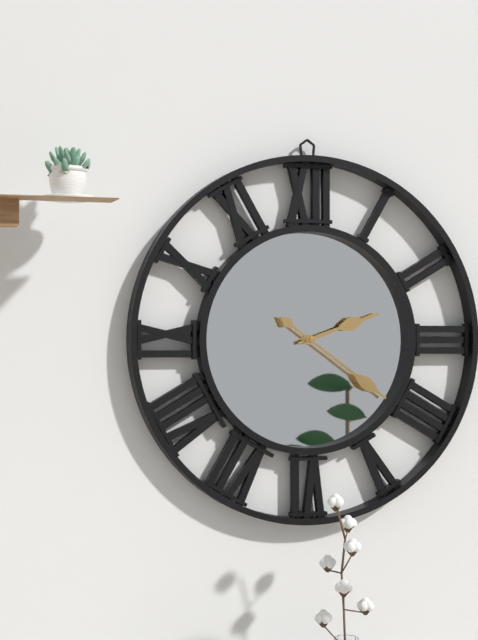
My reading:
**2:21**
